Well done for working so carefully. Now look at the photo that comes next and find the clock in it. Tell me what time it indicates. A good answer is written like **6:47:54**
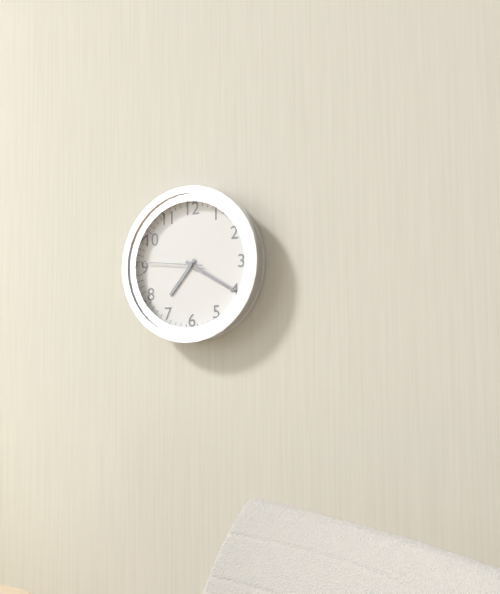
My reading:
**7:20:46**
